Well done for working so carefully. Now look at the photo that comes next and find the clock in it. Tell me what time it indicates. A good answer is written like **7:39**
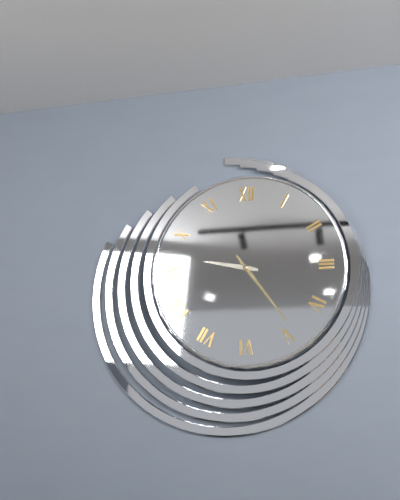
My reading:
**9:24**
